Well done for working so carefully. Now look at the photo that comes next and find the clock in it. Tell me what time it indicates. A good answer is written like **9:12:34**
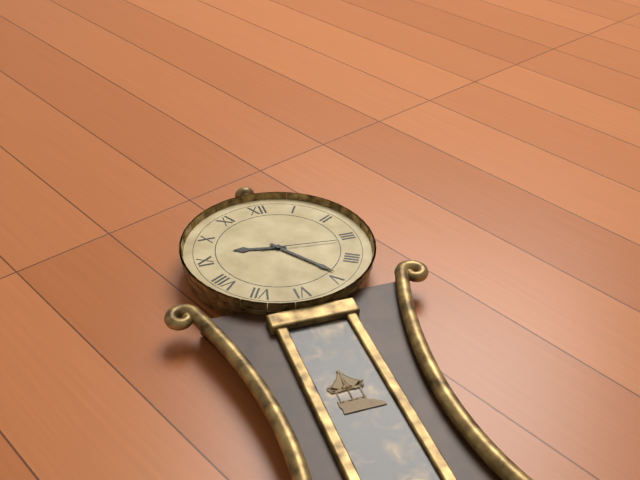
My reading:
**9:24:16**
